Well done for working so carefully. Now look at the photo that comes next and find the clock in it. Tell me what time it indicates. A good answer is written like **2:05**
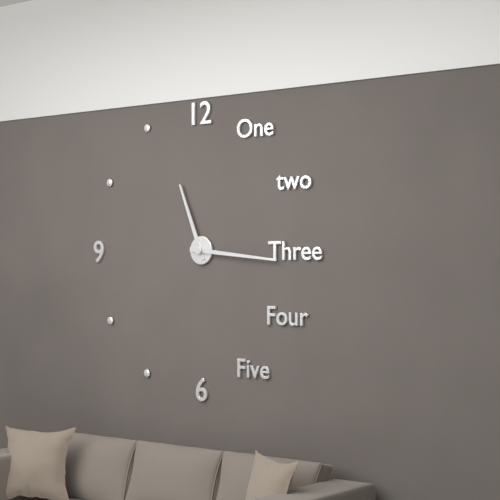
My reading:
**11:16**
